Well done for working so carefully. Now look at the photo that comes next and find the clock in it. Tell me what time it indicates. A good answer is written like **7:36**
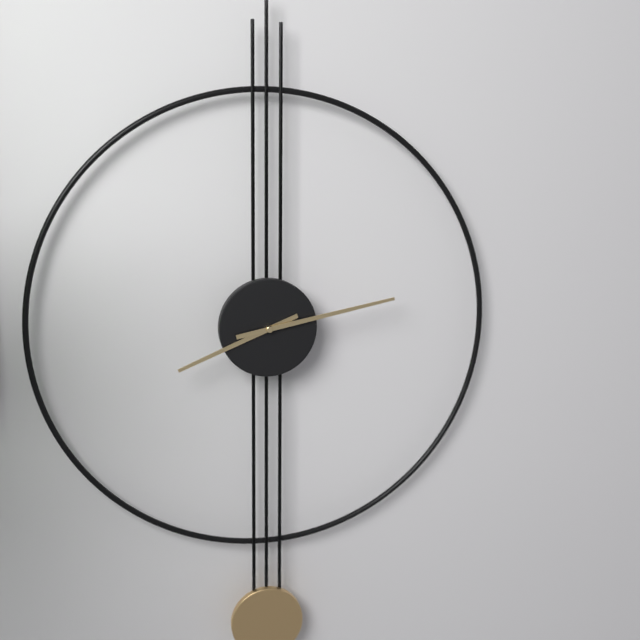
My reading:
**8:13**
